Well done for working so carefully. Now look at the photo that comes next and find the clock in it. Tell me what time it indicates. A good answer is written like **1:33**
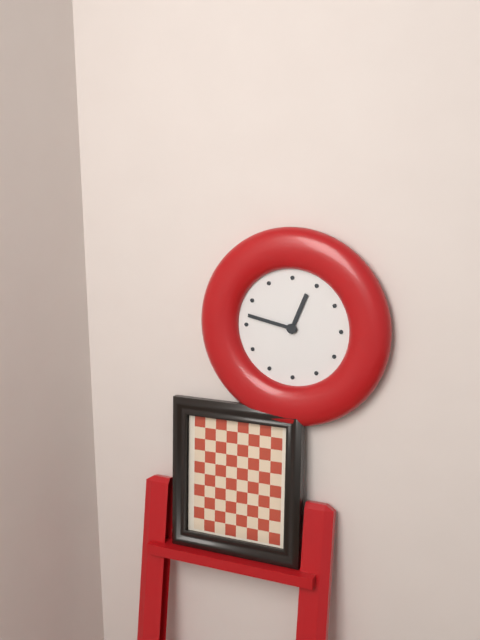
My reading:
**12:47**
